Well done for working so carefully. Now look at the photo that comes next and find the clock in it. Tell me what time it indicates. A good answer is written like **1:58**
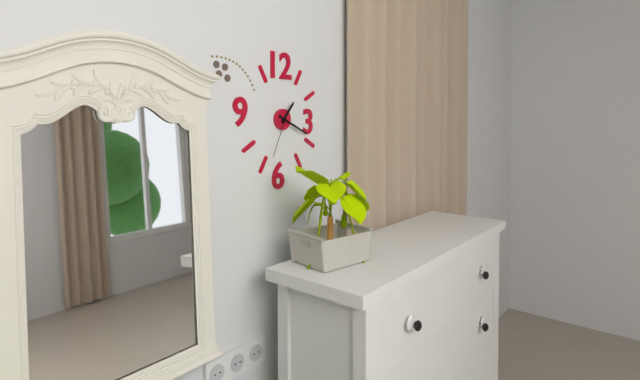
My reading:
**1:19**
